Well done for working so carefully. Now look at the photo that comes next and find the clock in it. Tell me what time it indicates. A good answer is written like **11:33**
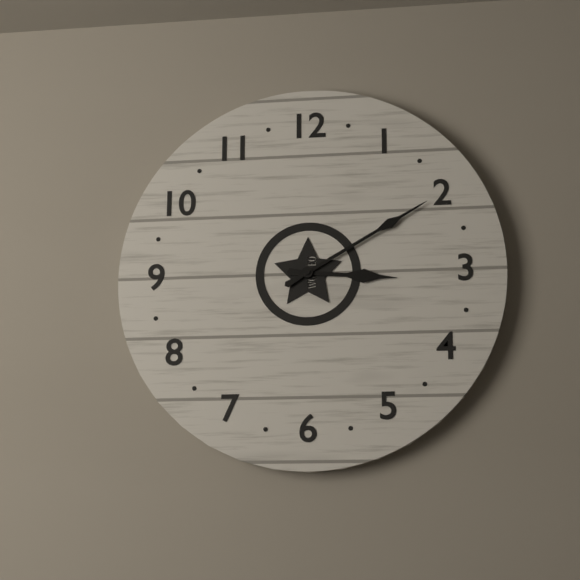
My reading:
**3:10**
